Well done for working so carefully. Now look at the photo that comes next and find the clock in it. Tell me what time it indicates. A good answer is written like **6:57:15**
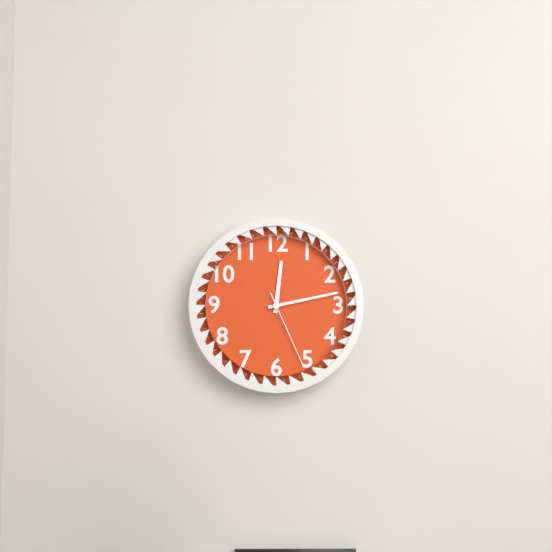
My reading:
**12:13:26**
